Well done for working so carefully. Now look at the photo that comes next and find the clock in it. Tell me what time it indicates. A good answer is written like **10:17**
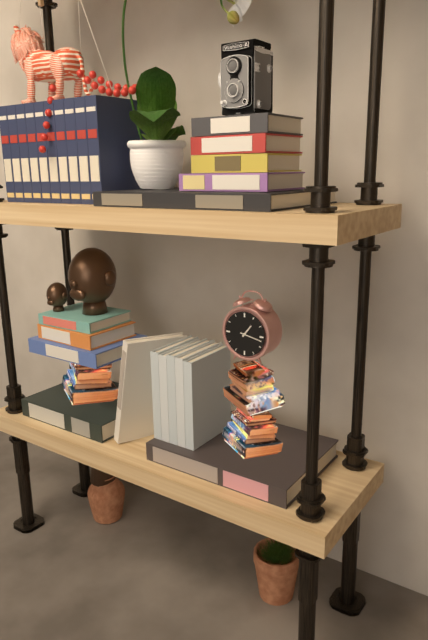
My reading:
**1:17**
